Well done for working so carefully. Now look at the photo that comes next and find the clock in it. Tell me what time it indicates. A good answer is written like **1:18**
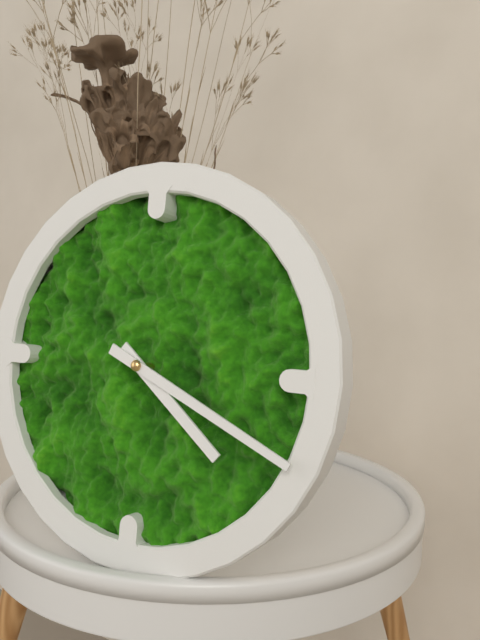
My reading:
**4:19**
